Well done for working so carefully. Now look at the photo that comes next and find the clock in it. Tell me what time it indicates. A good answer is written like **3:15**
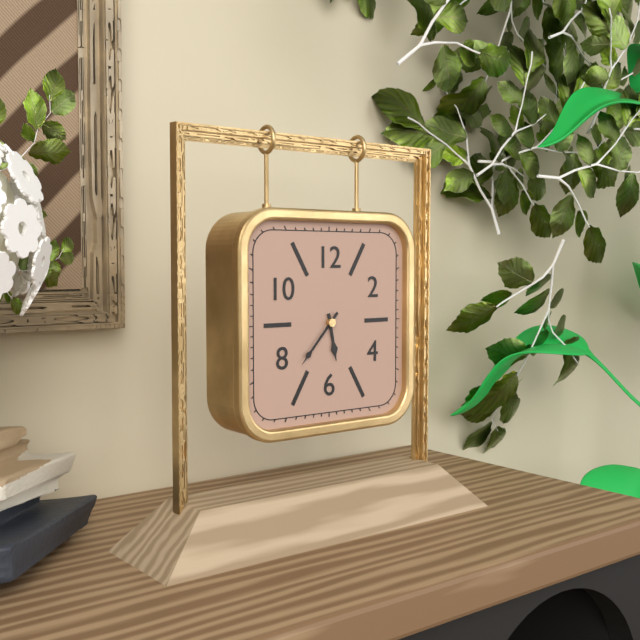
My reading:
**5:37**
